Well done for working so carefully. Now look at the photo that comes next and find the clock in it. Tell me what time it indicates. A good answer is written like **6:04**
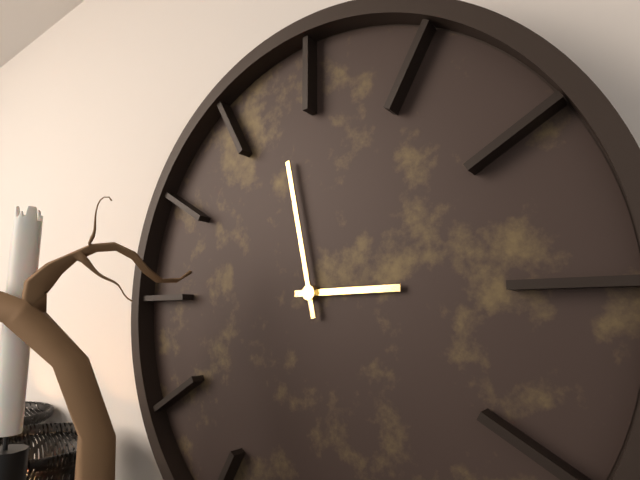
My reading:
**2:58**
